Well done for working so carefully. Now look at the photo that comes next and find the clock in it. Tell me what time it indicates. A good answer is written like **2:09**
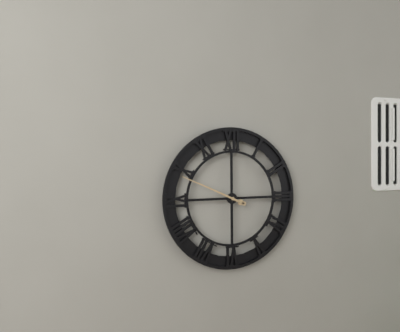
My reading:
**9:49**
